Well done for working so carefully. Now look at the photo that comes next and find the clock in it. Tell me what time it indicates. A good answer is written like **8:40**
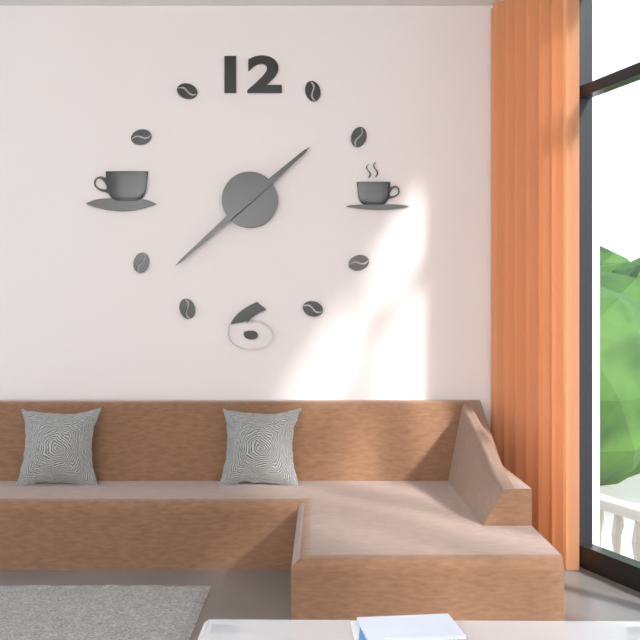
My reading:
**1:38**
